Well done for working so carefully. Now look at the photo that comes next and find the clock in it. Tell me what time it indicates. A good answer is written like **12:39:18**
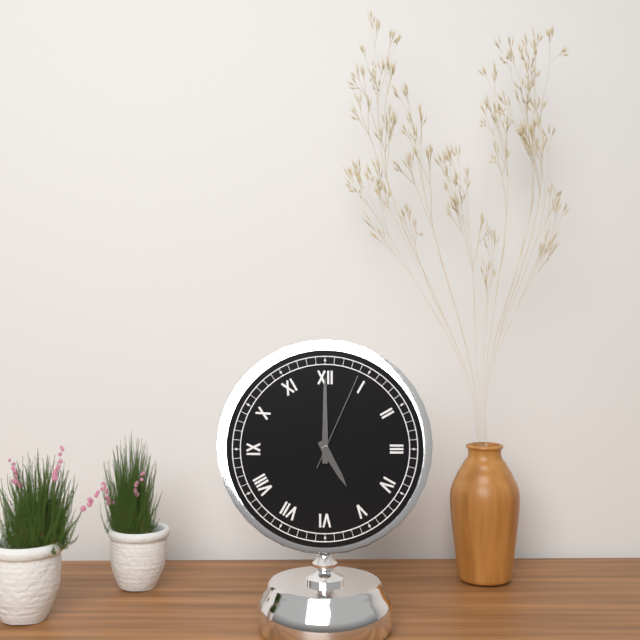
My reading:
**5:00:04**
